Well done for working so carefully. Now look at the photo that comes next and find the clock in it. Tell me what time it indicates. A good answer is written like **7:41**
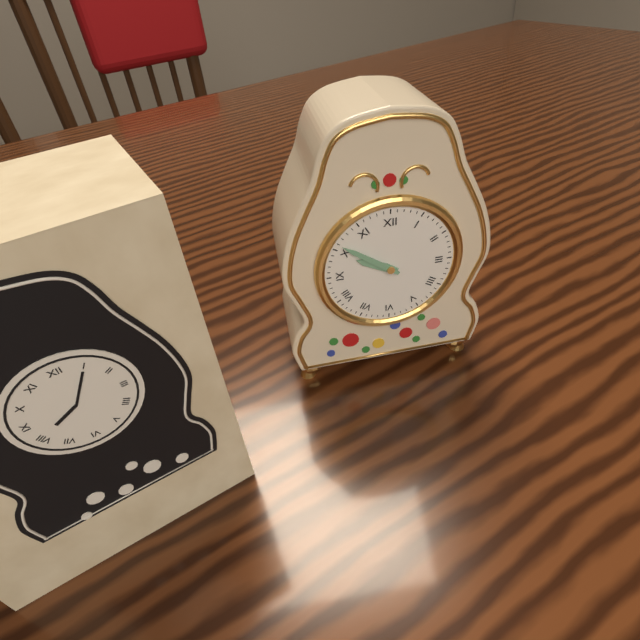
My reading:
**9:51**
